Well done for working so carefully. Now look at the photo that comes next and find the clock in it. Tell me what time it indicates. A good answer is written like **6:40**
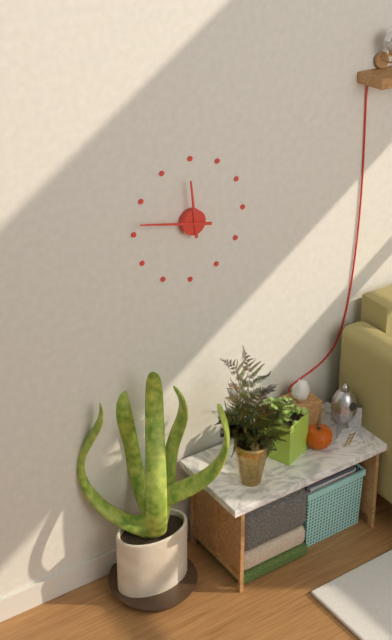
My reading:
**11:47**
